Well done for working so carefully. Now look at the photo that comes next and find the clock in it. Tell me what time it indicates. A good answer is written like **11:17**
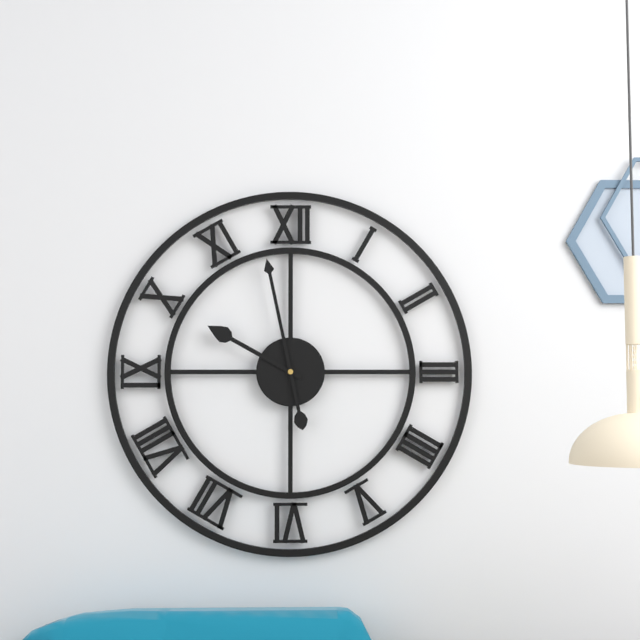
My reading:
**9:58**
